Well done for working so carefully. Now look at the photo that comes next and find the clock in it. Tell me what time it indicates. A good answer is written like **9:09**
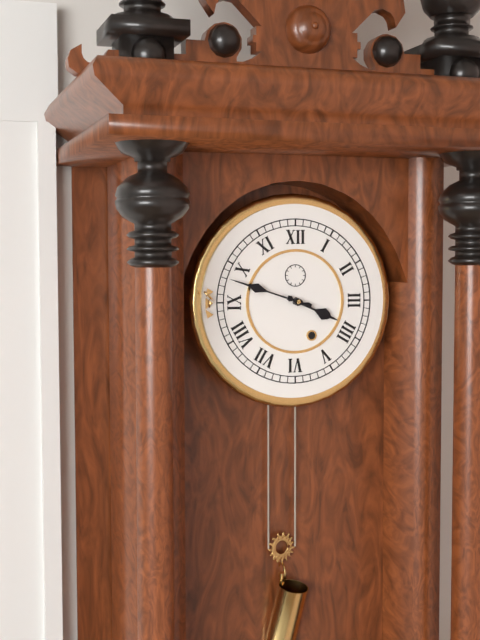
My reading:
**3:48**
